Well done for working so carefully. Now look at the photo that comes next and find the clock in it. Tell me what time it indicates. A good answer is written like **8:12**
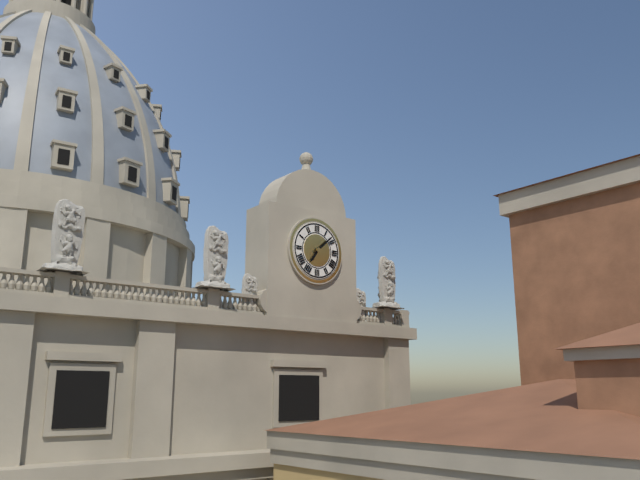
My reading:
**7:08**
